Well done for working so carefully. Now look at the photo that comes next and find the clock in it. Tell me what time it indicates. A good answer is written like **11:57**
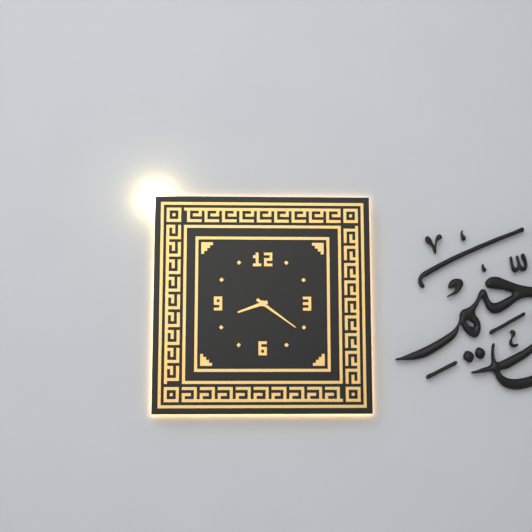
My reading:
**8:21**
